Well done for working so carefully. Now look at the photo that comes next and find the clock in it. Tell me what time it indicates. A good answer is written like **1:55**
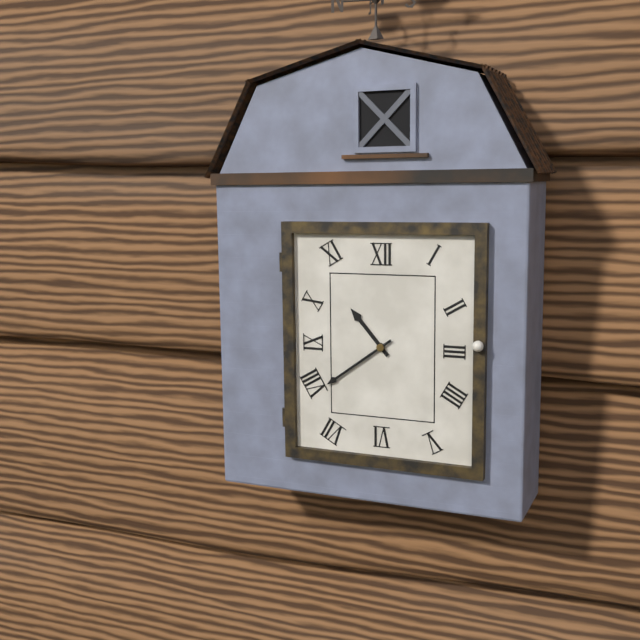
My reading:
**10:39**
